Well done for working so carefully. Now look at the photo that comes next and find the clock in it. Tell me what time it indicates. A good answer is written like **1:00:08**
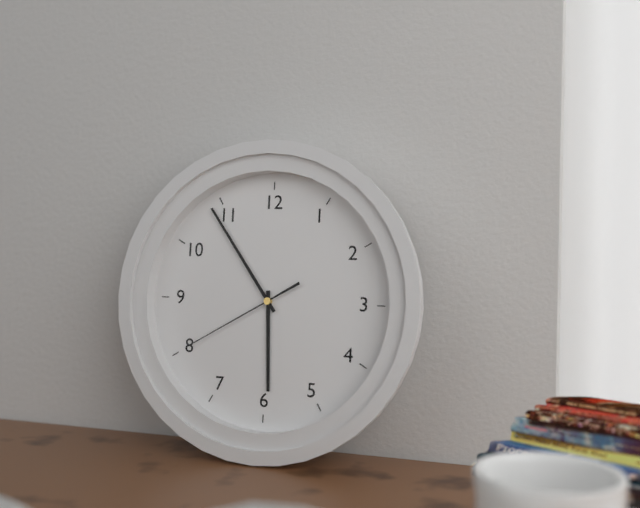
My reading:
**5:54:40**
